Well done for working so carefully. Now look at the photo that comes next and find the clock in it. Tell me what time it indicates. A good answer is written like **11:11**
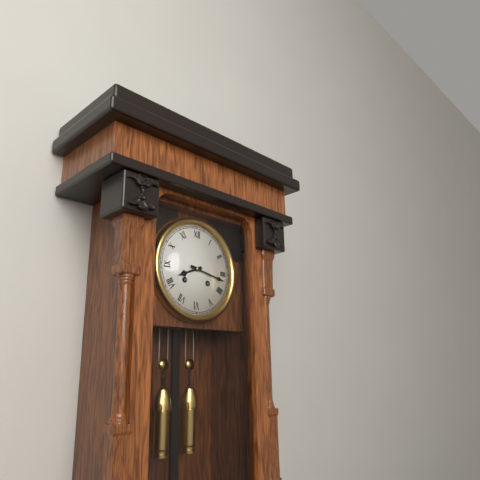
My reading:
**8:17**
